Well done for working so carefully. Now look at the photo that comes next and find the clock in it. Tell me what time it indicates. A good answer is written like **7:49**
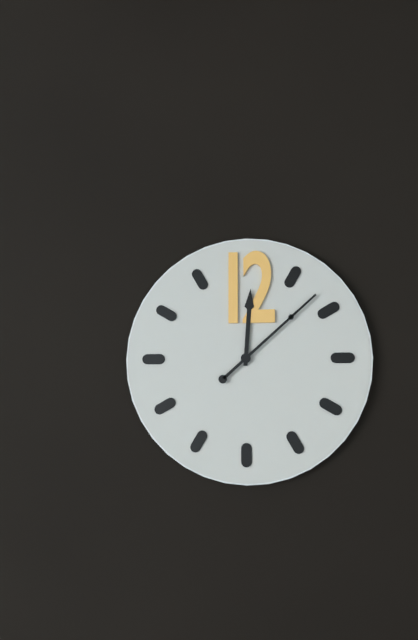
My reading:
**12:08**
